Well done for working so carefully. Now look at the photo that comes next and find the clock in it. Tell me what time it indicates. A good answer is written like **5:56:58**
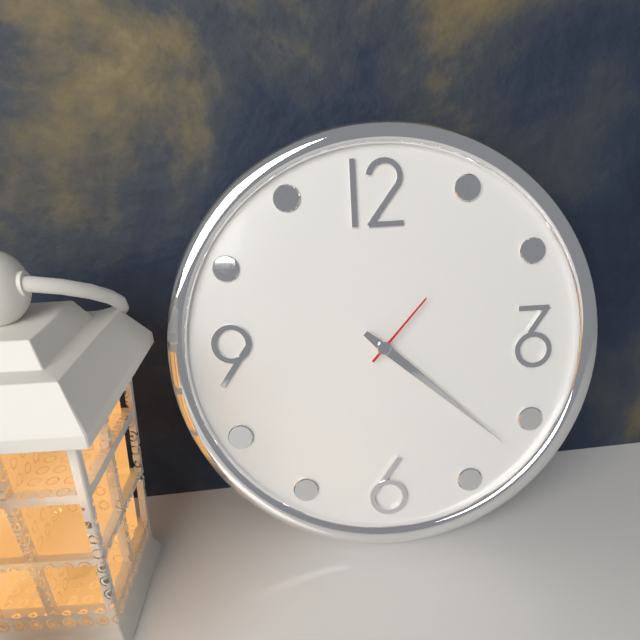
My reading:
**4:22:07**
